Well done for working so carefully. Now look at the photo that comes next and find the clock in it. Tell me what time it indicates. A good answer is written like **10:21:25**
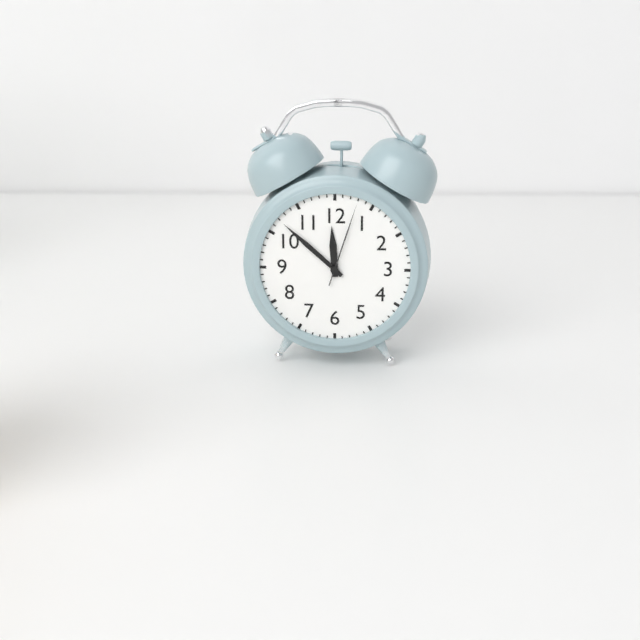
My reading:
**11:52:03**
